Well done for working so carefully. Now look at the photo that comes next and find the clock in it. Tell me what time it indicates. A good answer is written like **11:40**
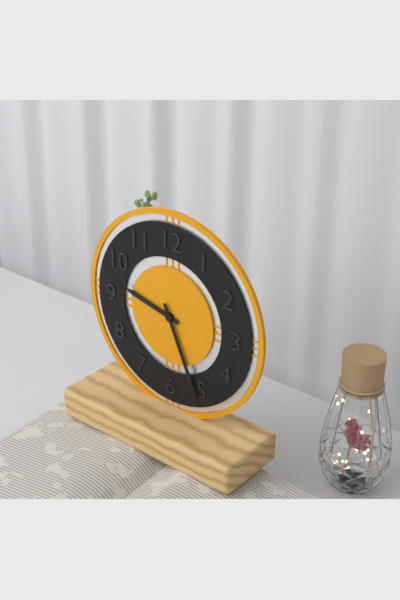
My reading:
**9:26**
